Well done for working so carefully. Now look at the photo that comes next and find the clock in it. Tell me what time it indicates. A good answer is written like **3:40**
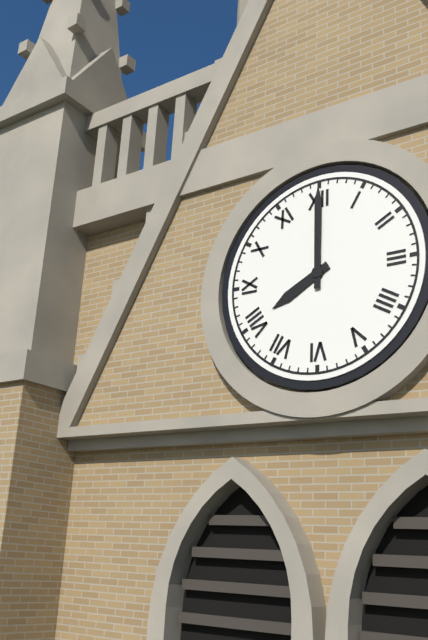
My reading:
**8:00**
